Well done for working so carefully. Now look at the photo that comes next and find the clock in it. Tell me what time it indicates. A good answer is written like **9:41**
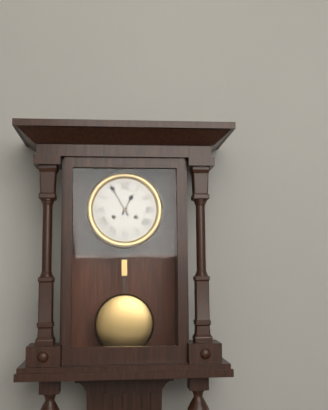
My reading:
**12:55**
